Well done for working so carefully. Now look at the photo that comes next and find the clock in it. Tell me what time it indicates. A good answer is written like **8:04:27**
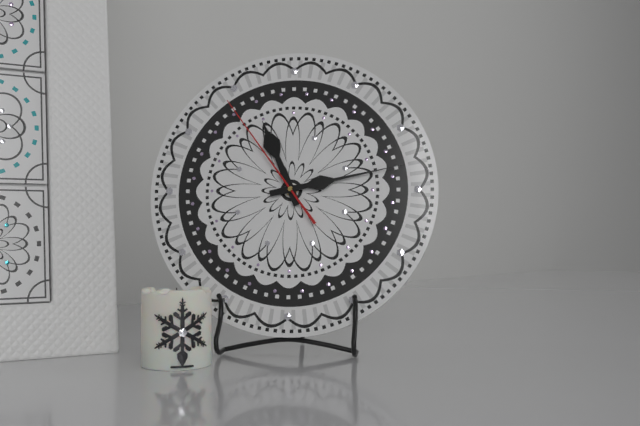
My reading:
**11:13:54**
